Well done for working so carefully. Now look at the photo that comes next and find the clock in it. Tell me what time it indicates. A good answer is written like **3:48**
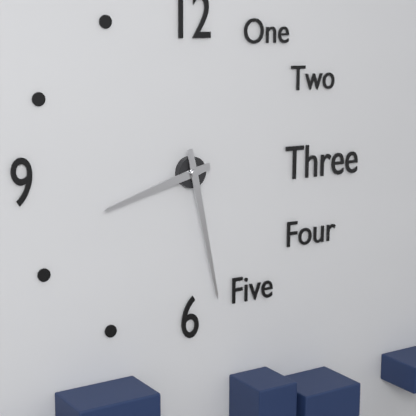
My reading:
**8:28**
